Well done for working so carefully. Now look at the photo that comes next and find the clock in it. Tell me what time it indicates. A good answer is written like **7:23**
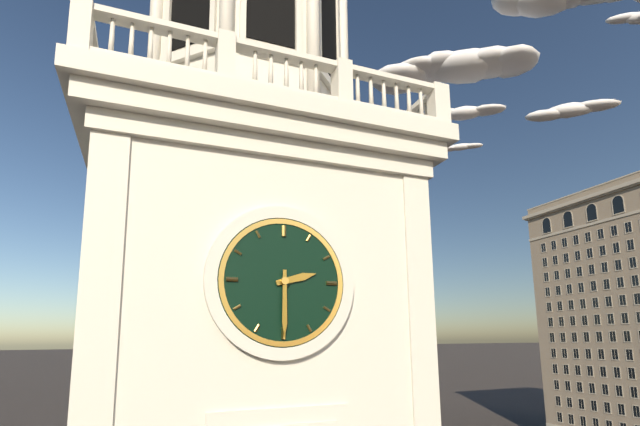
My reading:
**2:30**
